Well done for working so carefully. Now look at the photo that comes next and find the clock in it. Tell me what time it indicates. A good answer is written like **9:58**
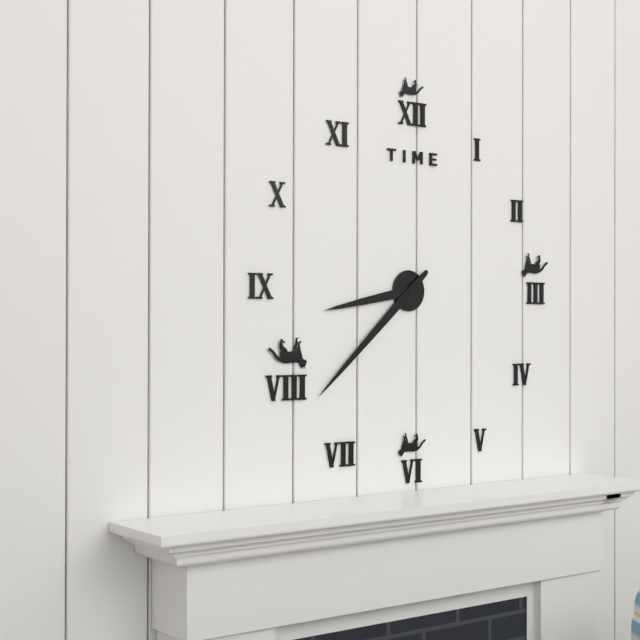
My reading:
**8:38**
